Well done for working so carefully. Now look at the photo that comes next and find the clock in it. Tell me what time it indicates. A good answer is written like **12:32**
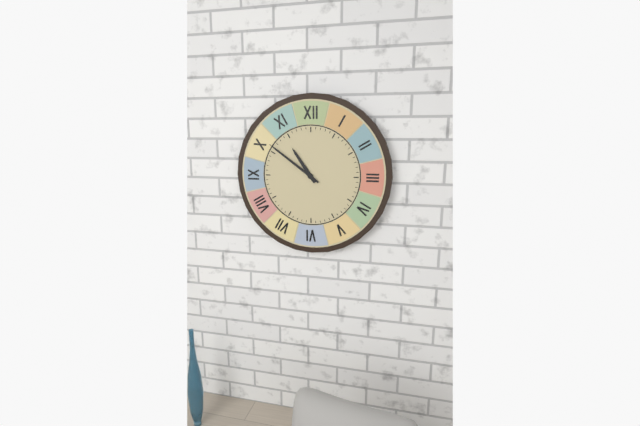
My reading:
**10:51**
